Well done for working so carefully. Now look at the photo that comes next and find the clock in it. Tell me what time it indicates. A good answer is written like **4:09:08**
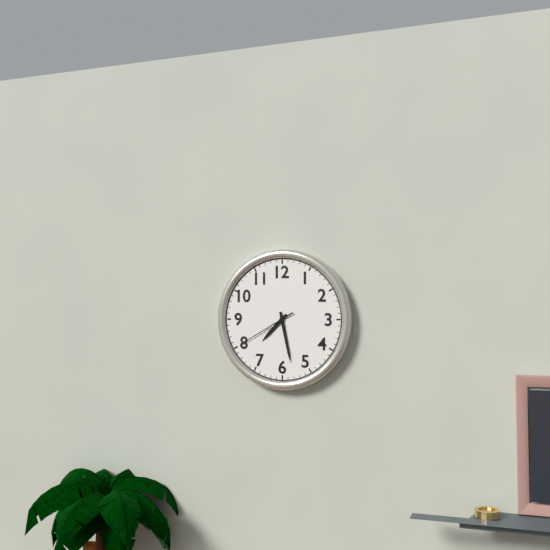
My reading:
**7:28:40**
